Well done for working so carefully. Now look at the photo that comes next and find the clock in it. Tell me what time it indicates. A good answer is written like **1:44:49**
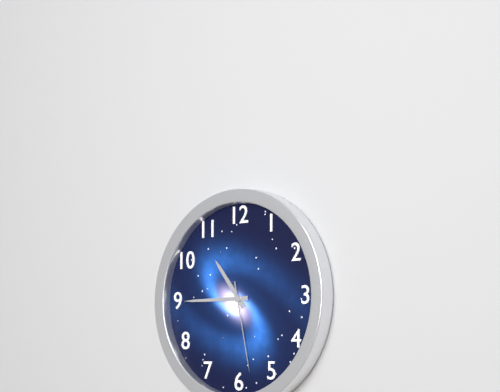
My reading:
**10:45:28**
